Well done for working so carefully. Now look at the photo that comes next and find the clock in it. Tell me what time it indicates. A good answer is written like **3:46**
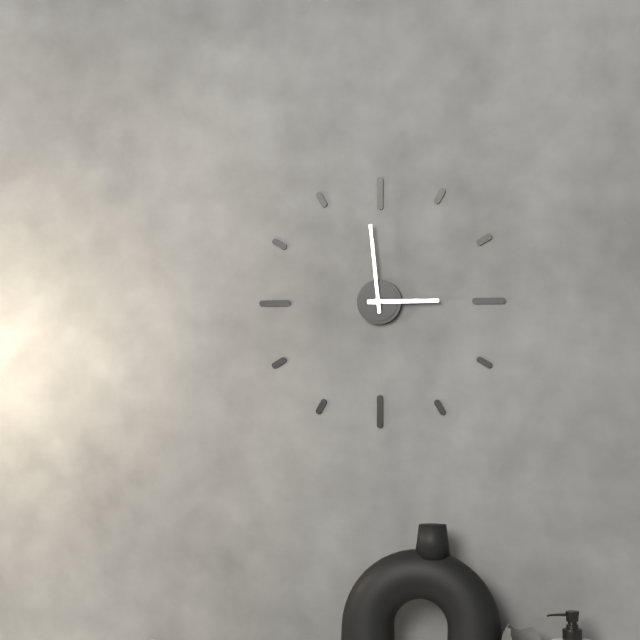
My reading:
**2:59**
